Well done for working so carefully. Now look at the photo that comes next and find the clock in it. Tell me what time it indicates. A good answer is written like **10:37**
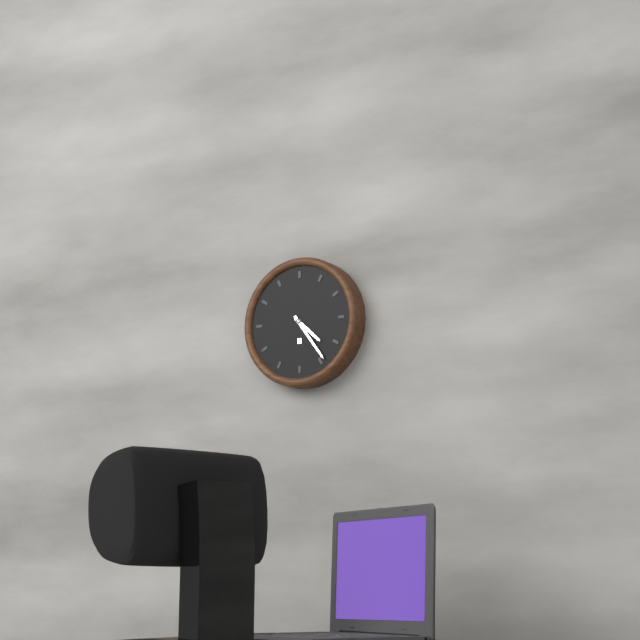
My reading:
**4:24**
